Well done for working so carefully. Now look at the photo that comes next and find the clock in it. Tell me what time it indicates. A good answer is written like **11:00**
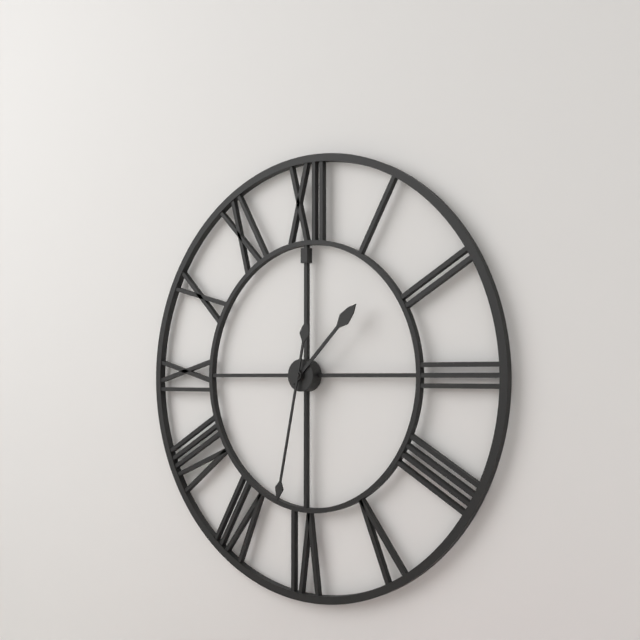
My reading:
**1:32**
